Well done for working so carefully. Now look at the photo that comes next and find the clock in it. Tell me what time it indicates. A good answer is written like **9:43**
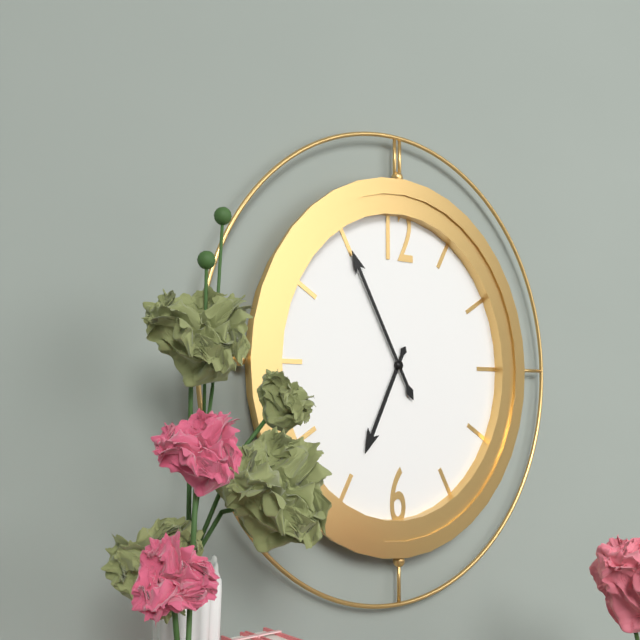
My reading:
**6:55**
